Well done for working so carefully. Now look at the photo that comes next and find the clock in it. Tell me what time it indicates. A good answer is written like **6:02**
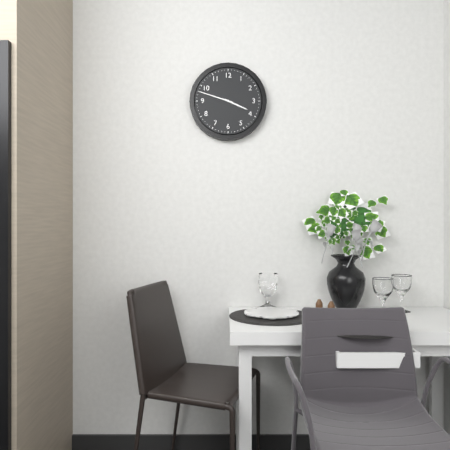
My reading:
**3:48**
